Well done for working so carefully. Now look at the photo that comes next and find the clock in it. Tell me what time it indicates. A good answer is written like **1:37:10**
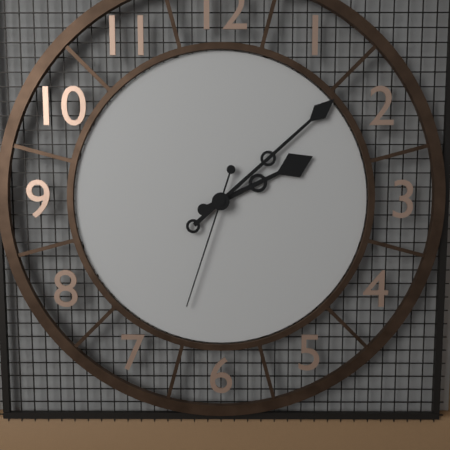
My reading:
**2:08:33**
